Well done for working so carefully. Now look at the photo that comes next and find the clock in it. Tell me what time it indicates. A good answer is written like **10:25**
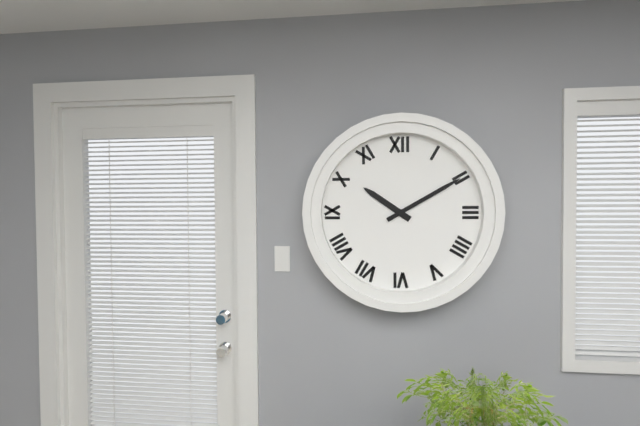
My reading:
**10:10**
